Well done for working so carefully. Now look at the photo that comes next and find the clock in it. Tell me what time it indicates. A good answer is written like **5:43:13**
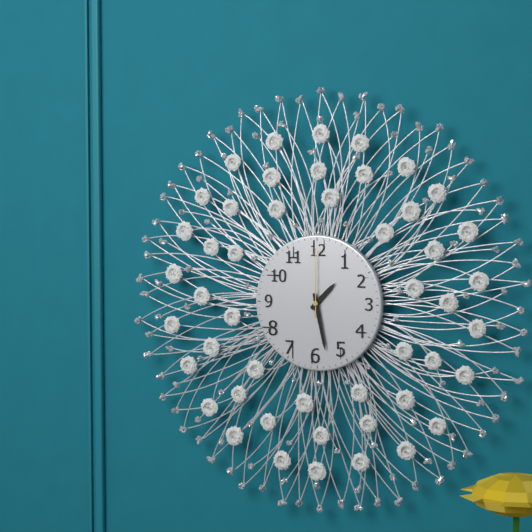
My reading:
**1:28:00**
